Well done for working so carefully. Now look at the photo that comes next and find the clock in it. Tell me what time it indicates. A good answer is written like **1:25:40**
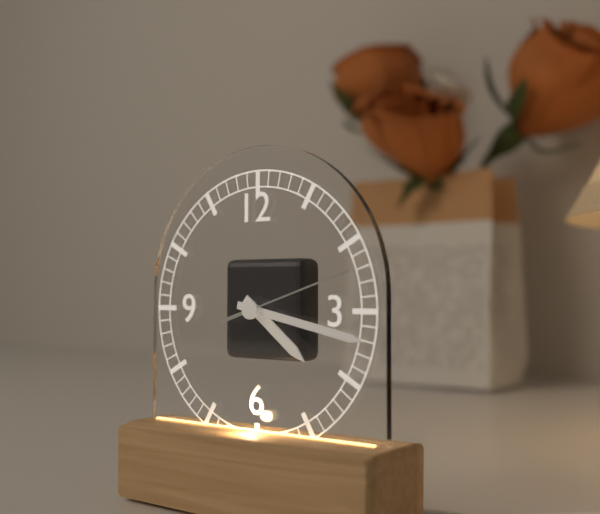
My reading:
**4:17:12**
